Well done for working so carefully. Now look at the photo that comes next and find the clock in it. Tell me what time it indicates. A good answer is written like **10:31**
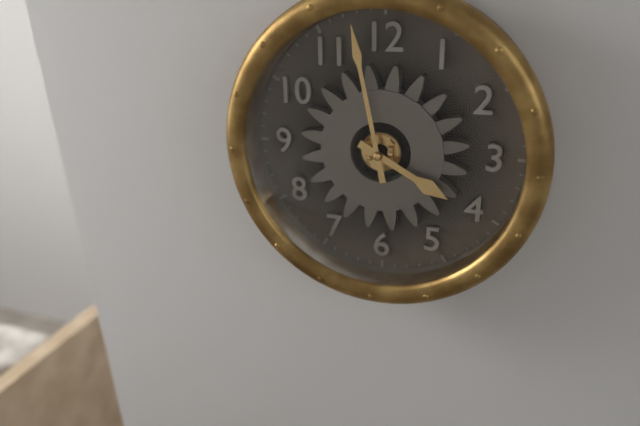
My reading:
**3:58**
